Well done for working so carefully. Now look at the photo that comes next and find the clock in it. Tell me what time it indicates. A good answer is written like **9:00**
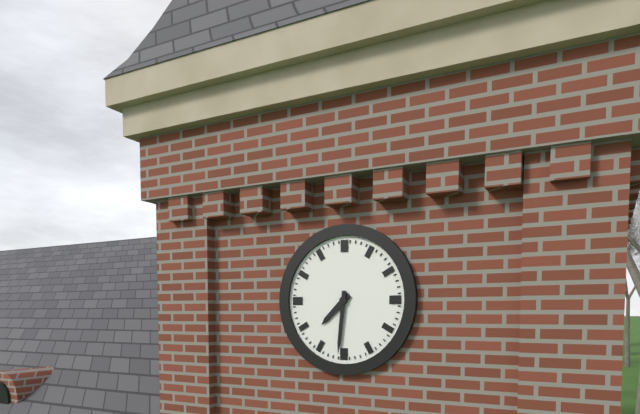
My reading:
**7:31**
